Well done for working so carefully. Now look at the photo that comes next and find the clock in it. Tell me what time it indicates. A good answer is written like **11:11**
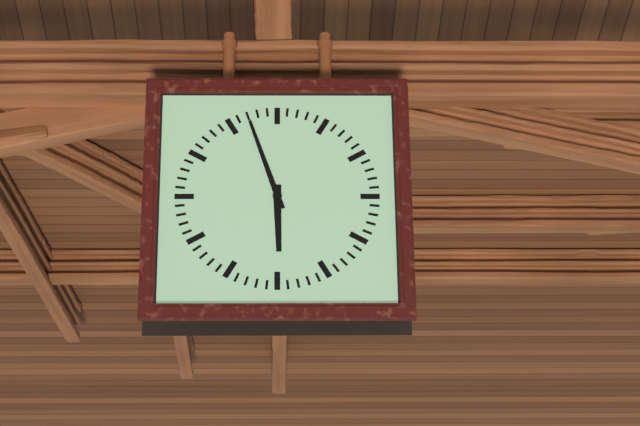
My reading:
**5:57**
